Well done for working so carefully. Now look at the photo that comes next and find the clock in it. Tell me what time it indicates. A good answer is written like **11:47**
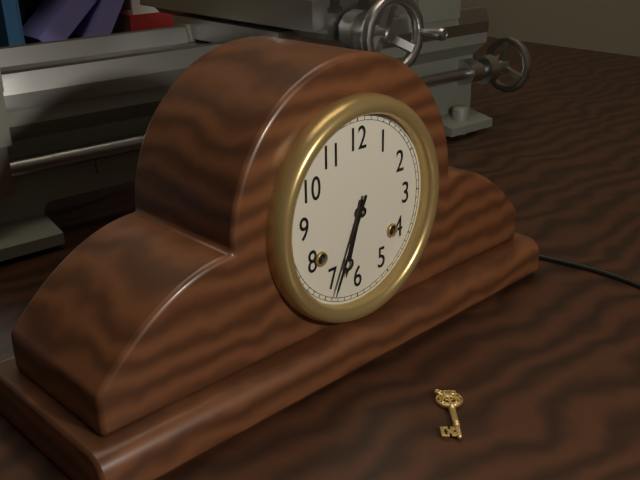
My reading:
**6:34**
